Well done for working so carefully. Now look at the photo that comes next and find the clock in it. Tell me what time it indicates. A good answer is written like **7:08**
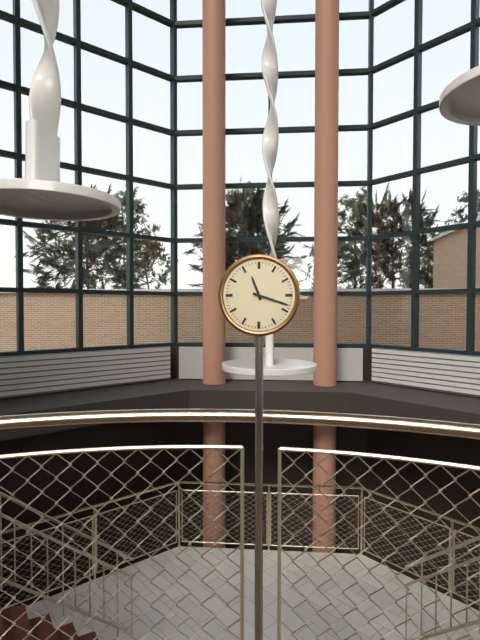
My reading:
**11:18**
